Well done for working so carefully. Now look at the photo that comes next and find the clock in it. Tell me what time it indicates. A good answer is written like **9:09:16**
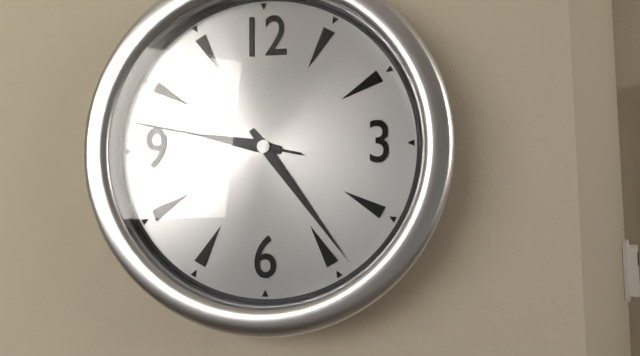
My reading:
**9:24:47**
